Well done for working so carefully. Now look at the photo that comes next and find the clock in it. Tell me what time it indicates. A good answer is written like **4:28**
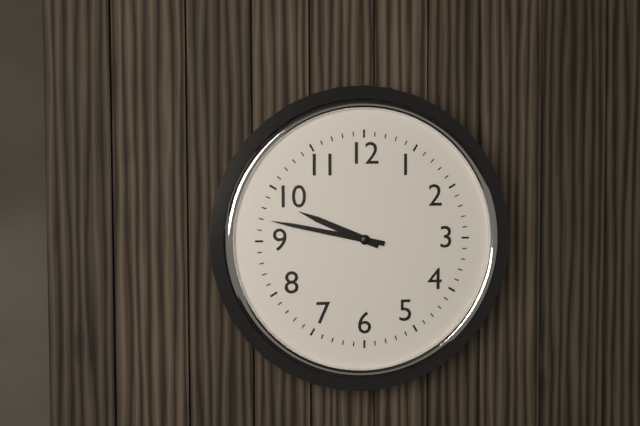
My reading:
**9:47**
